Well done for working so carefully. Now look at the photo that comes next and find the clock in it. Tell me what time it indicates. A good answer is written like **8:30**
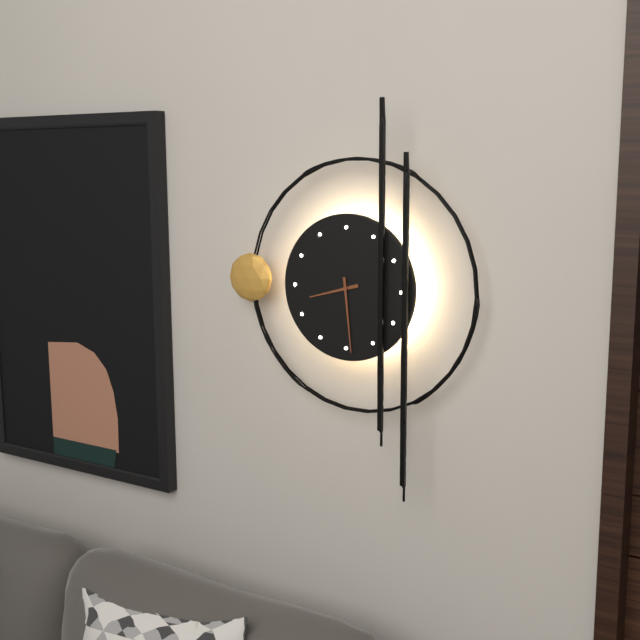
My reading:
**8:29**
